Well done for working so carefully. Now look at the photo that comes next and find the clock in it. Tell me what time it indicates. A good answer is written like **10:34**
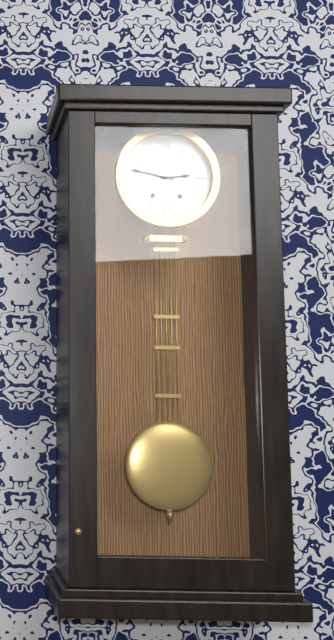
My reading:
**2:47**
